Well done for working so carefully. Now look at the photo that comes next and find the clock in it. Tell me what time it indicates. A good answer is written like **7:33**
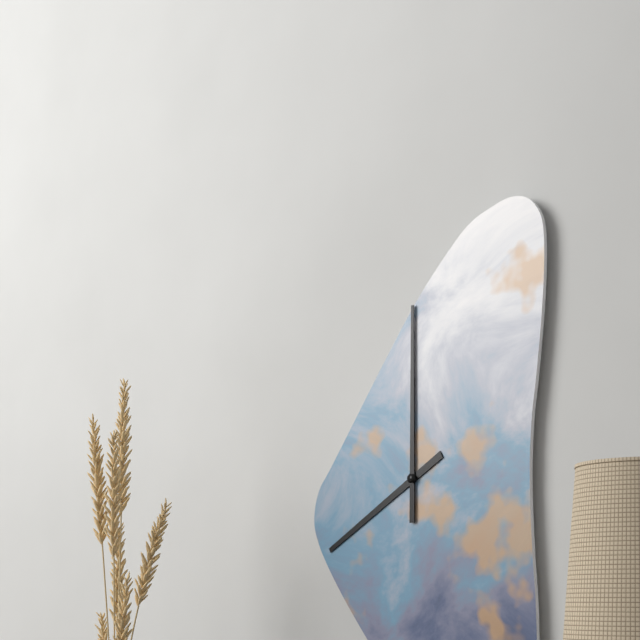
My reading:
**8:00**
